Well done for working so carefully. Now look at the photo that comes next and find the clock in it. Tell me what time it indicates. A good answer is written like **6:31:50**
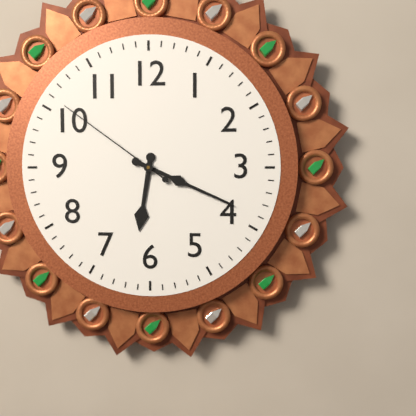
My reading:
**6:19:51**
